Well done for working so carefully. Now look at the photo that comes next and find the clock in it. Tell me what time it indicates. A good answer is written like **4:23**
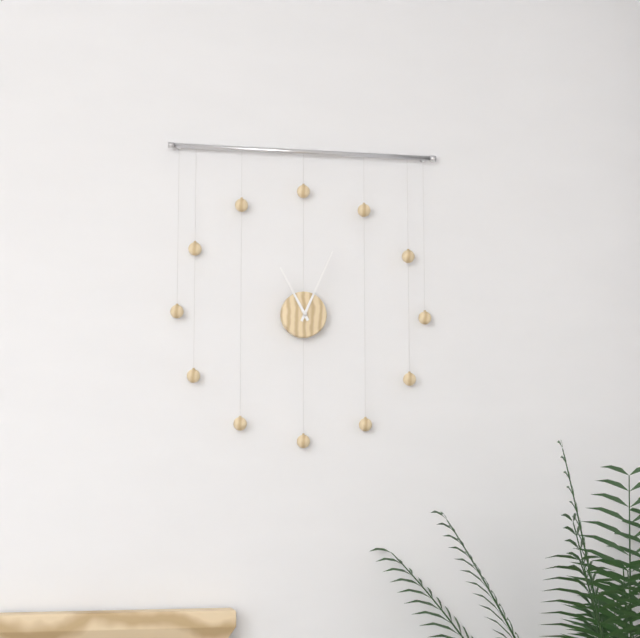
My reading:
**11:04**
